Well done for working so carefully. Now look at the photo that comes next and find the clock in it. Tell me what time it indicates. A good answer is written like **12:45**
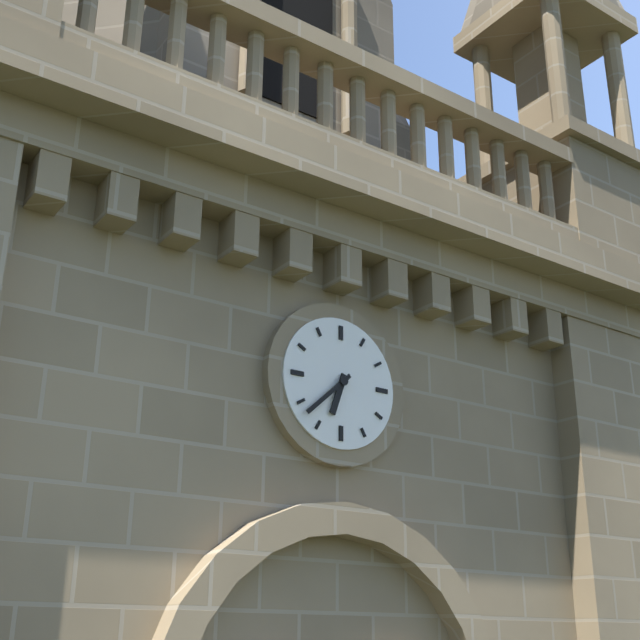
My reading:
**6:38**
